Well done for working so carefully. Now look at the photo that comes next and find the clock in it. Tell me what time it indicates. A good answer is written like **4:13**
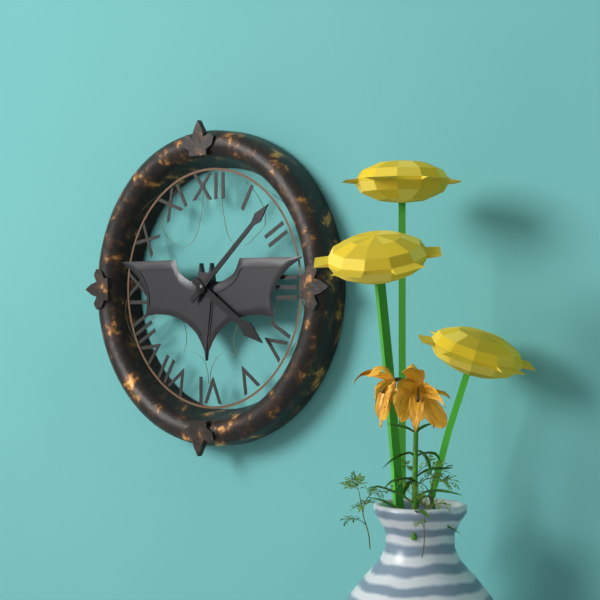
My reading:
**4:08**
